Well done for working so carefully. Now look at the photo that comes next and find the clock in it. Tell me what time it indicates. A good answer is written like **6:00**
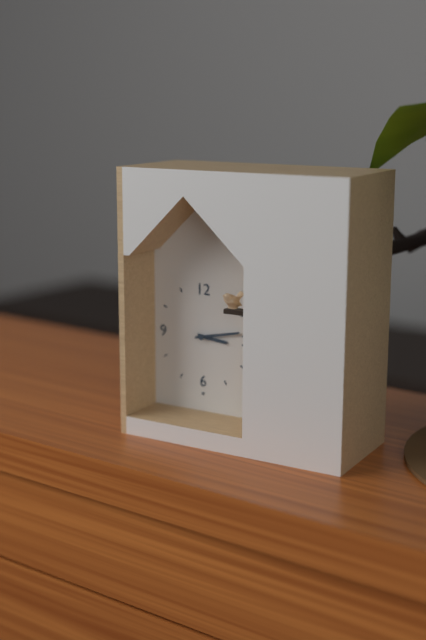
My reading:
**3:13**
